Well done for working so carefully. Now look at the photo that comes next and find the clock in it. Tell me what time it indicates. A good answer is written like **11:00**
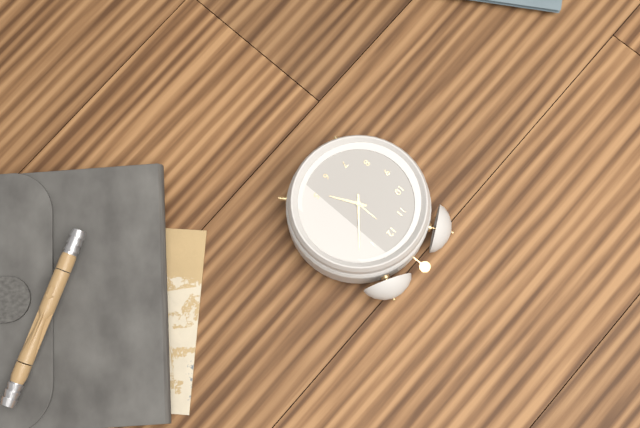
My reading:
**5:08**
